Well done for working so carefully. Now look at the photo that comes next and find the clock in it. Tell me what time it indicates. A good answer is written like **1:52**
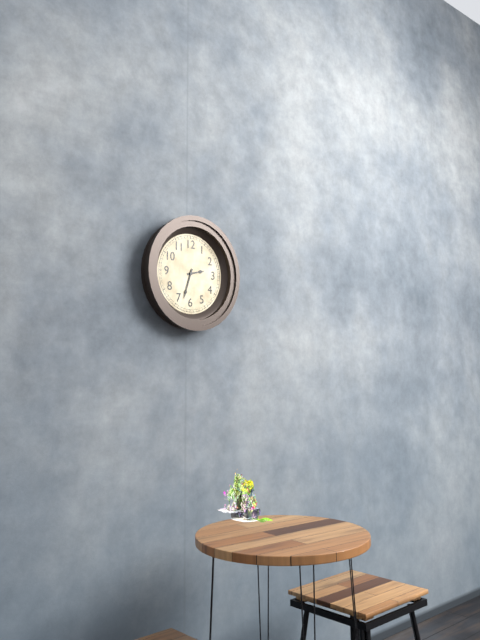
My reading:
**2:33**
